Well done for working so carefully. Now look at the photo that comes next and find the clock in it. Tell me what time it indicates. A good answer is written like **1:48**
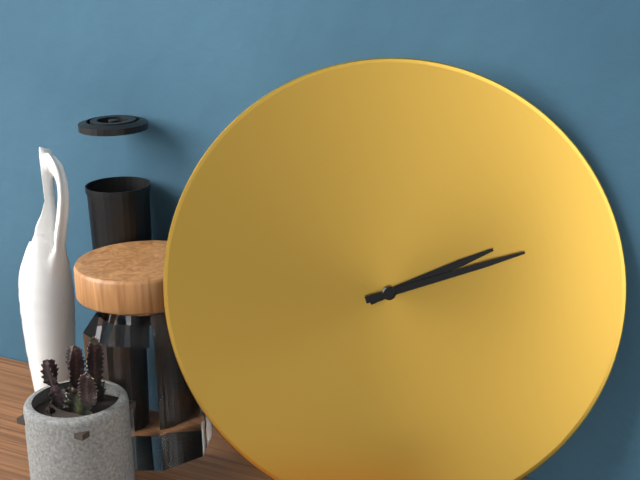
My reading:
**2:12**
